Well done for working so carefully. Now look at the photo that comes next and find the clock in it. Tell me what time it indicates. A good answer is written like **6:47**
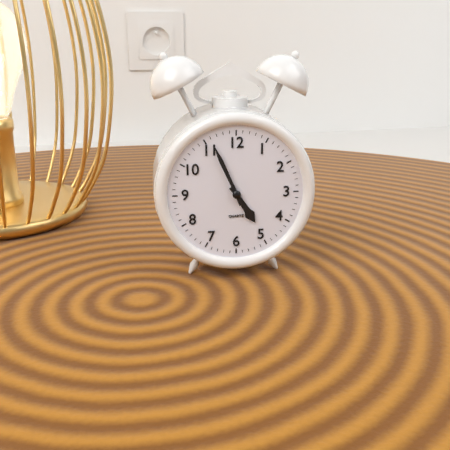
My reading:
**4:56**
